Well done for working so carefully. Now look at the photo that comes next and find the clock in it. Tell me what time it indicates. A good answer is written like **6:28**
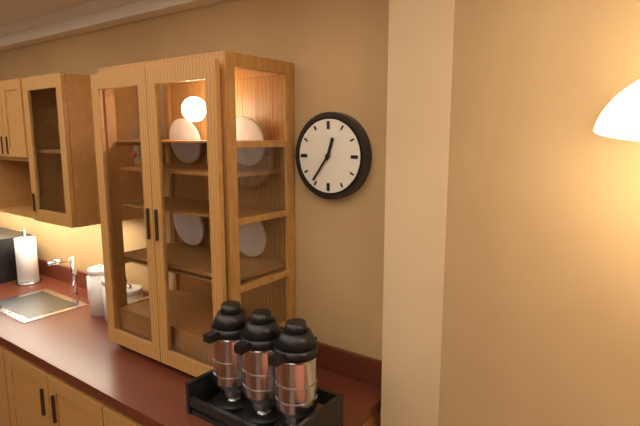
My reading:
**12:36**
